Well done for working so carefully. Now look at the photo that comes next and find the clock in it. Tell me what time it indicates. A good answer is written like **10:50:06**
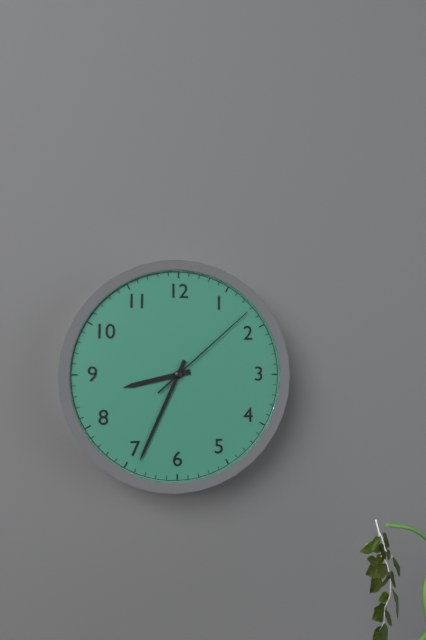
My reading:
**8:34:08**
